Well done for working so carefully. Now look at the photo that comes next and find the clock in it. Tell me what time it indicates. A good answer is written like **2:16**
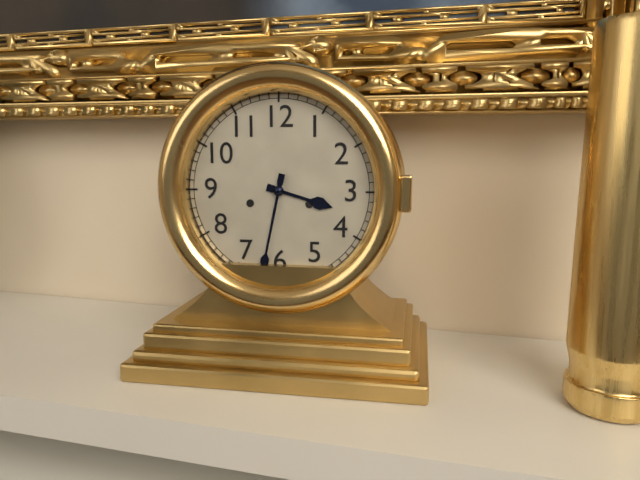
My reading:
**3:32**
